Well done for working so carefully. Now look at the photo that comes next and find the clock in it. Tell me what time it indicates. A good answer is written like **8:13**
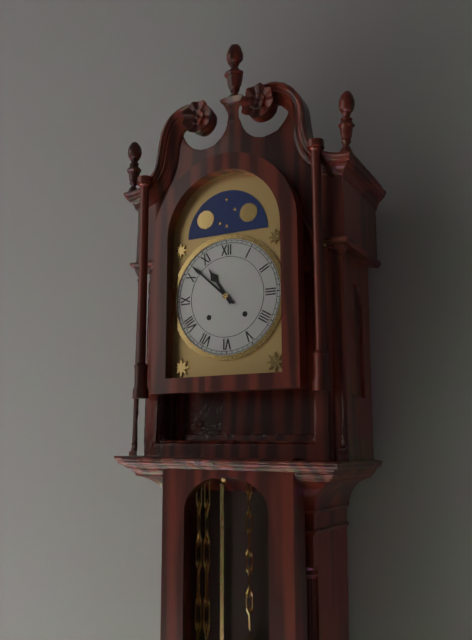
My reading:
**10:52**
